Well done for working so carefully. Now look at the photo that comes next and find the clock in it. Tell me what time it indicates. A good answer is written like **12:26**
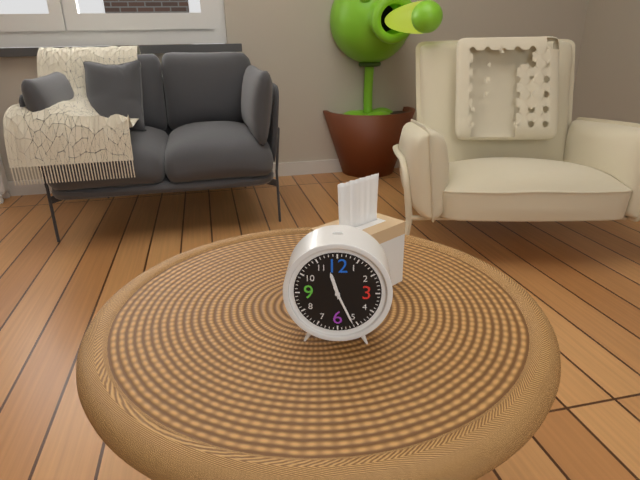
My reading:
**11:26**
